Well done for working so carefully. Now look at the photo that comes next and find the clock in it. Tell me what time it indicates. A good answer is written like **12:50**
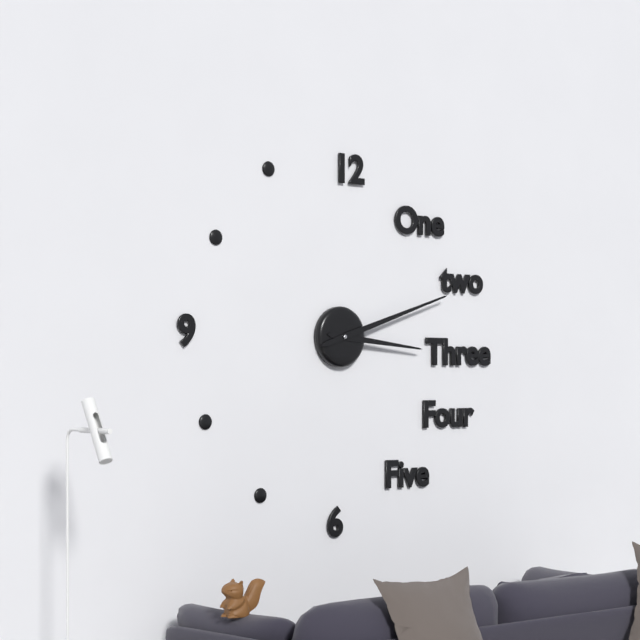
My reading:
**3:12**
